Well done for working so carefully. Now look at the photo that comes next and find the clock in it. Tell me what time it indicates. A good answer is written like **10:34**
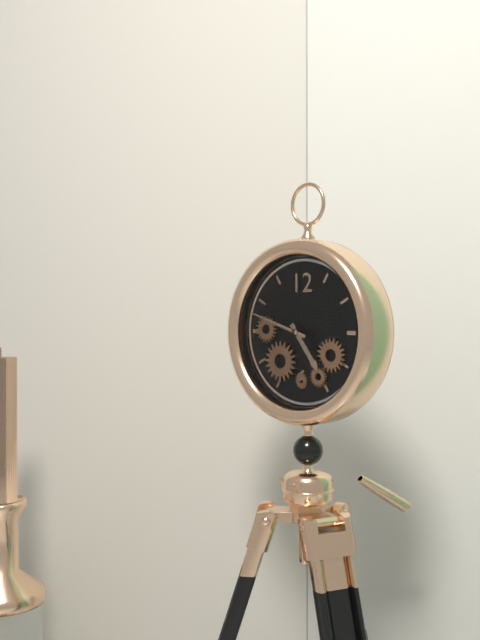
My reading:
**4:48**
